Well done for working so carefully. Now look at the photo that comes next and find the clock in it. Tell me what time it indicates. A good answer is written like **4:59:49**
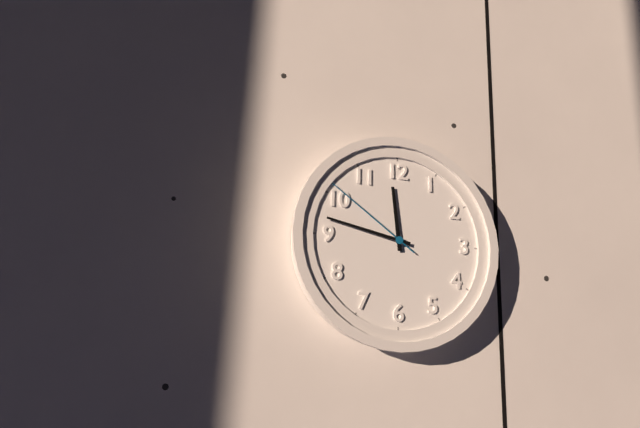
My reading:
**11:47:51**
